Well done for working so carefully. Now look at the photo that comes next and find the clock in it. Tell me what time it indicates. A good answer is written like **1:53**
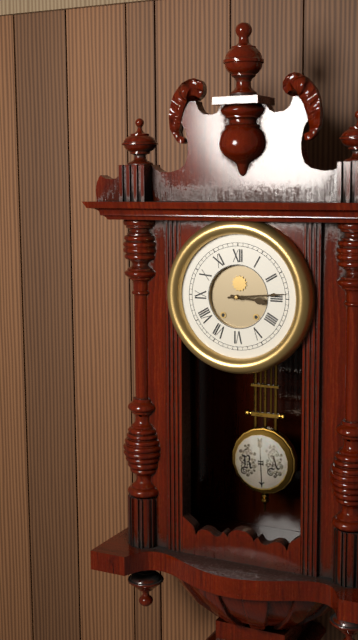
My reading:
**3:14**
